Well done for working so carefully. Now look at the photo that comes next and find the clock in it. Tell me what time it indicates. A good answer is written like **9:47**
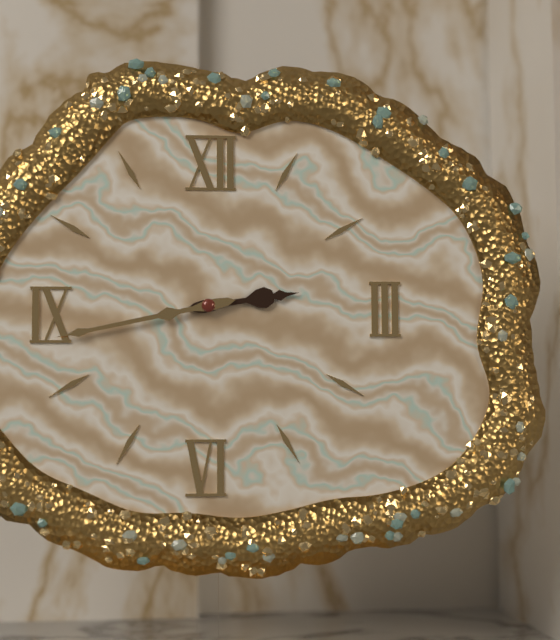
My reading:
**2:43**
